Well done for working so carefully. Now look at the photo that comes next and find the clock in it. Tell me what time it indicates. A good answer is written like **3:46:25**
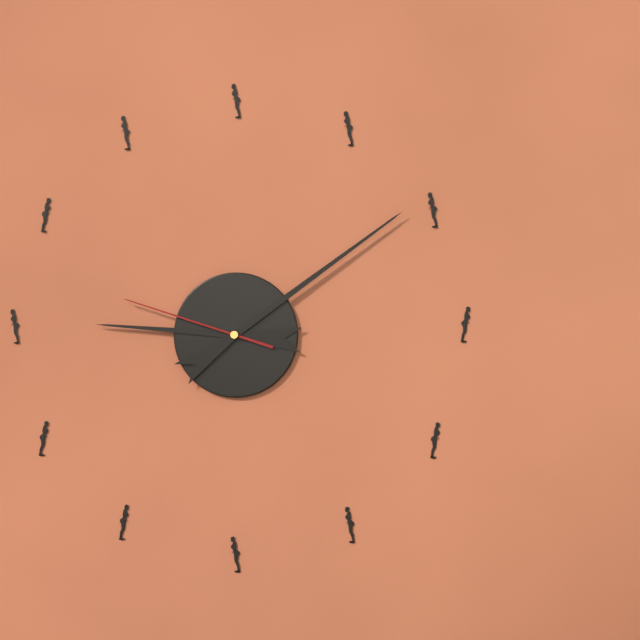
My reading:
**9:09:48**
